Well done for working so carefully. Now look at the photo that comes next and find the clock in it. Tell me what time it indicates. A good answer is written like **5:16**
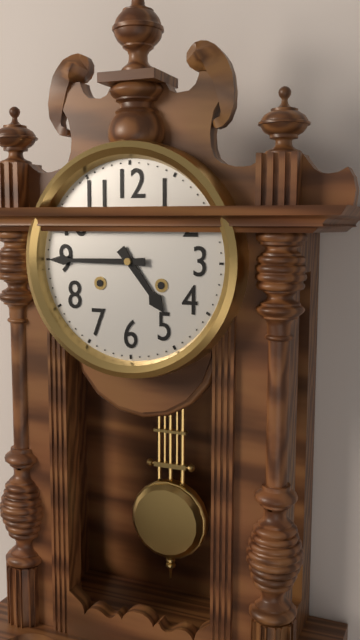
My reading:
**4:45**
